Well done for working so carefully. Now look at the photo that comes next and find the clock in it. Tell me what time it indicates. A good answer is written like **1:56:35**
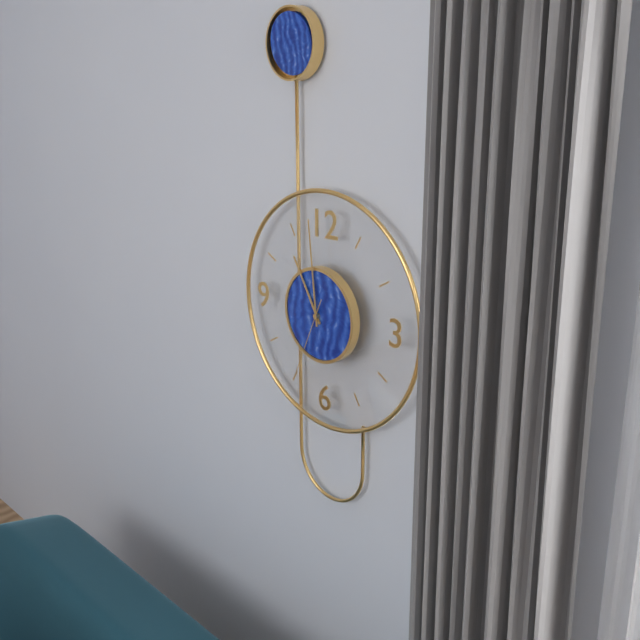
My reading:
**10:59:34**
